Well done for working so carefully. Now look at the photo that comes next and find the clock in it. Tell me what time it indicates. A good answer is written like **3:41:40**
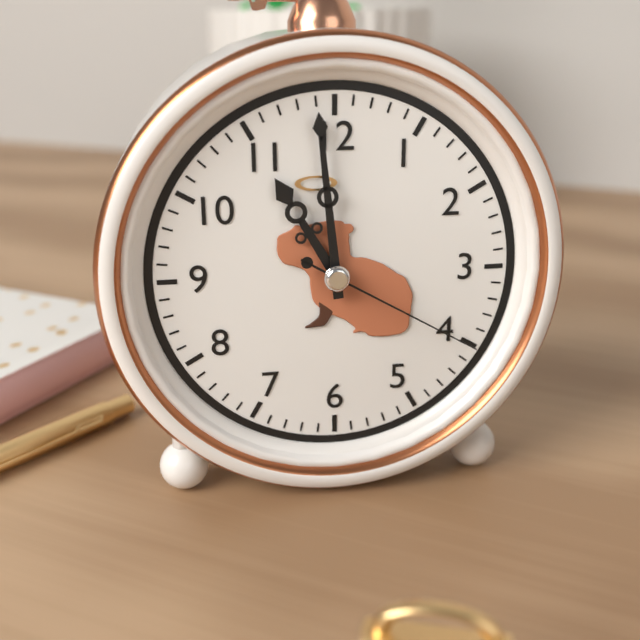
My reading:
**10:59:20**
